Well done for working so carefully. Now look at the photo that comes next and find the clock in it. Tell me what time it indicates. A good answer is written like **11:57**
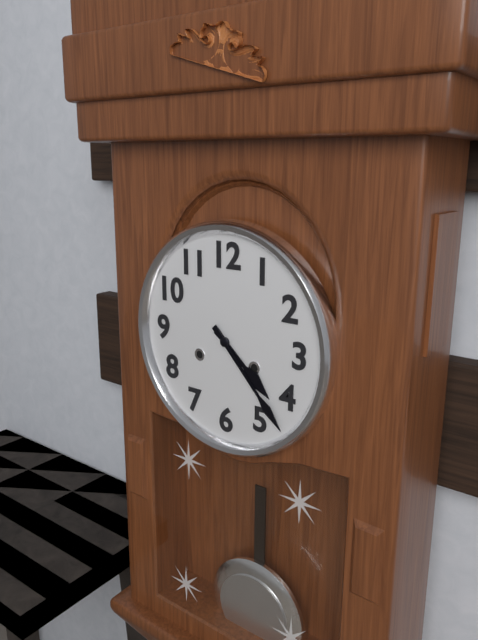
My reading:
**4:23**
